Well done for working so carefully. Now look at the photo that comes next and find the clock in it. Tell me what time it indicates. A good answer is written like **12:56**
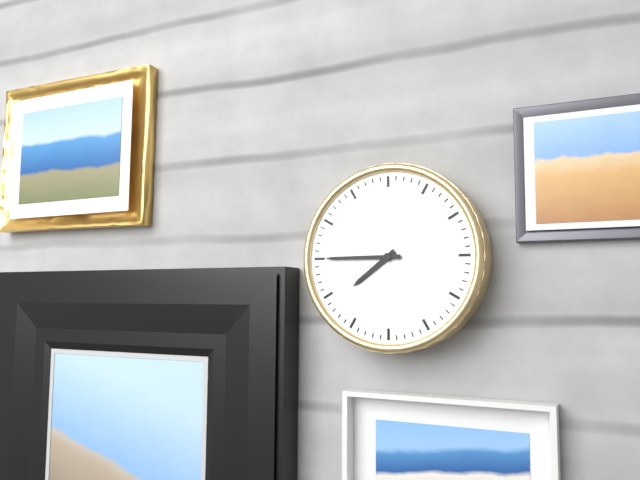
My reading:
**7:45**
